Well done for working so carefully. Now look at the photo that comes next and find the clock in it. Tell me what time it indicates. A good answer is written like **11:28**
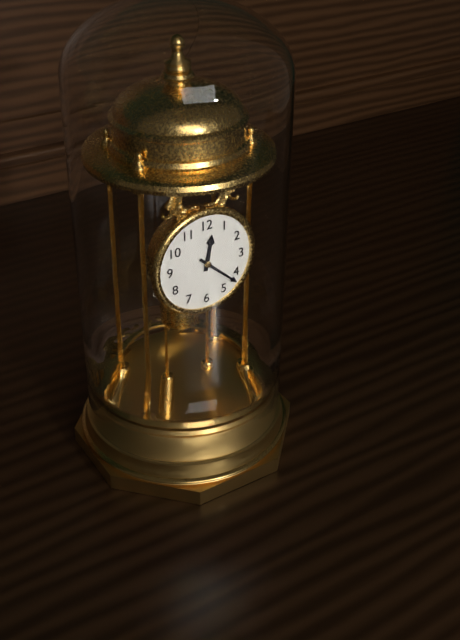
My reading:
**12:22**
